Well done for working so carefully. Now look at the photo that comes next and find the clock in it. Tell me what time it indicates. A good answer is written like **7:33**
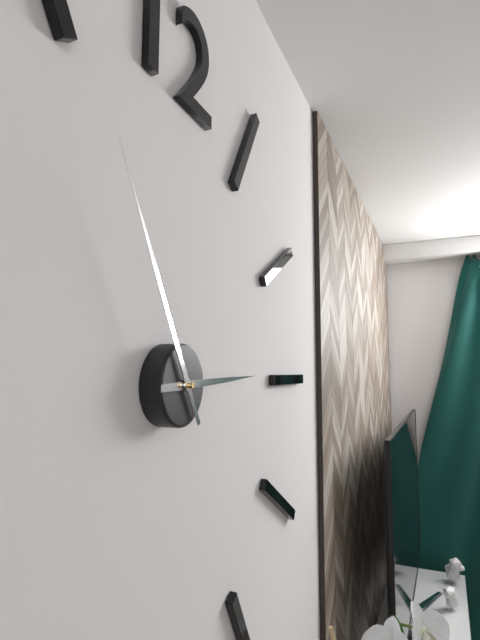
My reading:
**2:55**
